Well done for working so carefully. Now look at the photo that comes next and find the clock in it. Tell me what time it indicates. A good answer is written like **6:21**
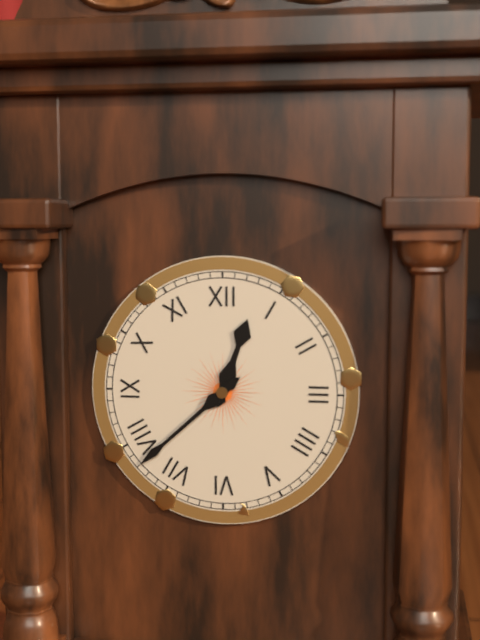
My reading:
**12:38**
